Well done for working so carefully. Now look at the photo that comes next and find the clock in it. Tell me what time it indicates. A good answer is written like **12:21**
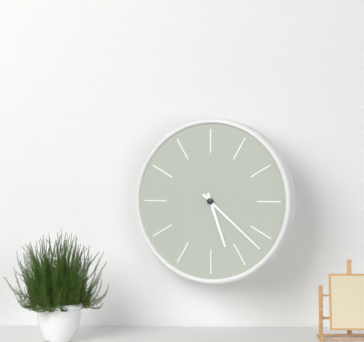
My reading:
**5:22**
